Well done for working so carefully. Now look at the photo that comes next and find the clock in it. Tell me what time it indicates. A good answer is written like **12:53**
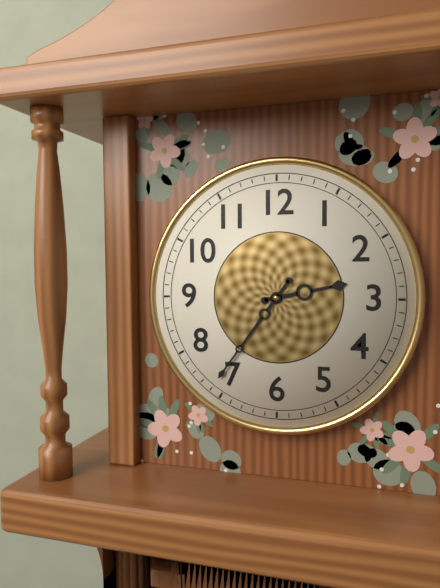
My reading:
**2:36**
